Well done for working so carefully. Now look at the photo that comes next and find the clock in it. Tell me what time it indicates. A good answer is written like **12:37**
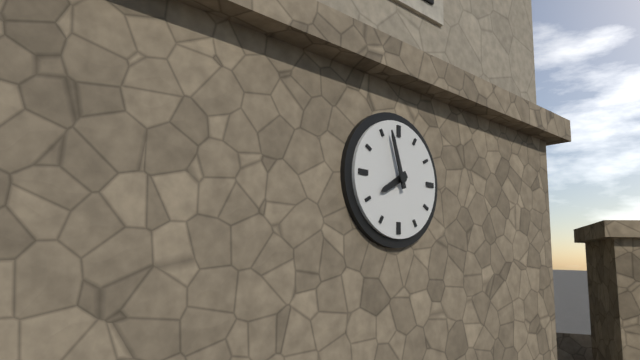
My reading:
**7:57**
